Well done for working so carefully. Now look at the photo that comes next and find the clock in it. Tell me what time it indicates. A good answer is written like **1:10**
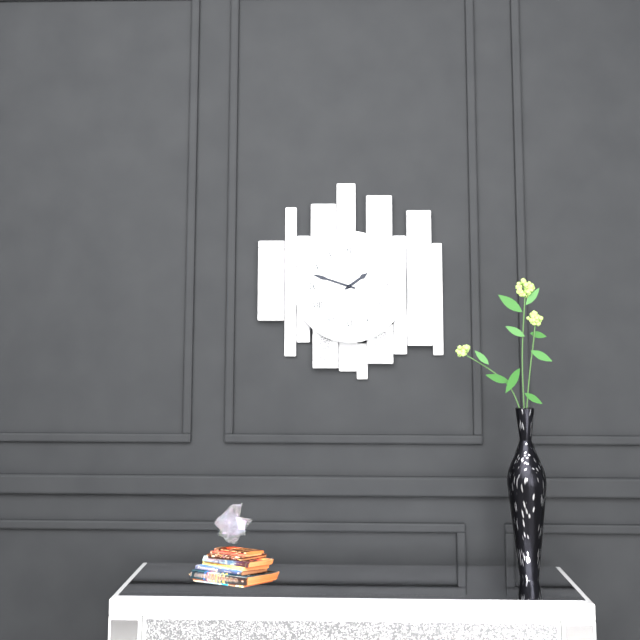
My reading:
**1:48**
